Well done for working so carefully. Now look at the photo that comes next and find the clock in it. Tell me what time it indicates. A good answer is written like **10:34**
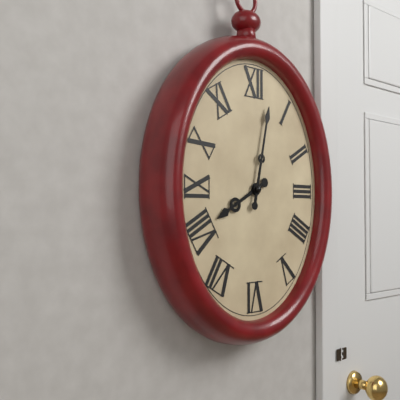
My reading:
**8:02**
